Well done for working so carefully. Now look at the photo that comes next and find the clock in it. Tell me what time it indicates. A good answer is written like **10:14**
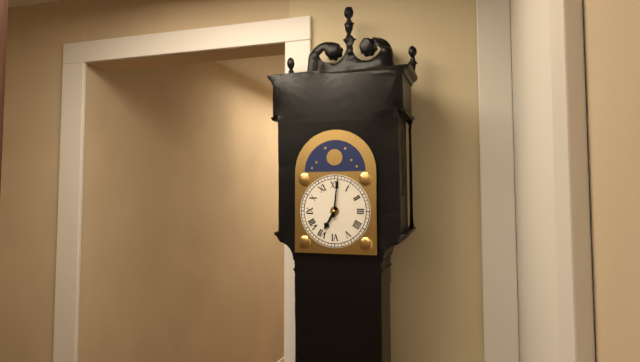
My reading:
**7:01**
